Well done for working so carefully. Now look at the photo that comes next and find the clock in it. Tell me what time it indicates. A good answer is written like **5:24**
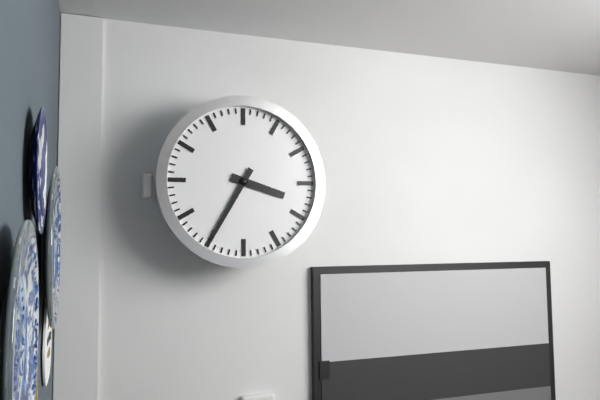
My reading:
**3:35**
